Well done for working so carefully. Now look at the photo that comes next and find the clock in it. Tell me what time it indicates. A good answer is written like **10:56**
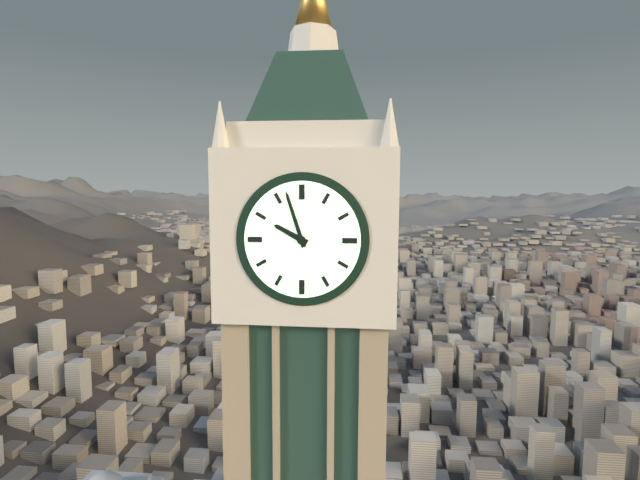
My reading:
**9:57**
